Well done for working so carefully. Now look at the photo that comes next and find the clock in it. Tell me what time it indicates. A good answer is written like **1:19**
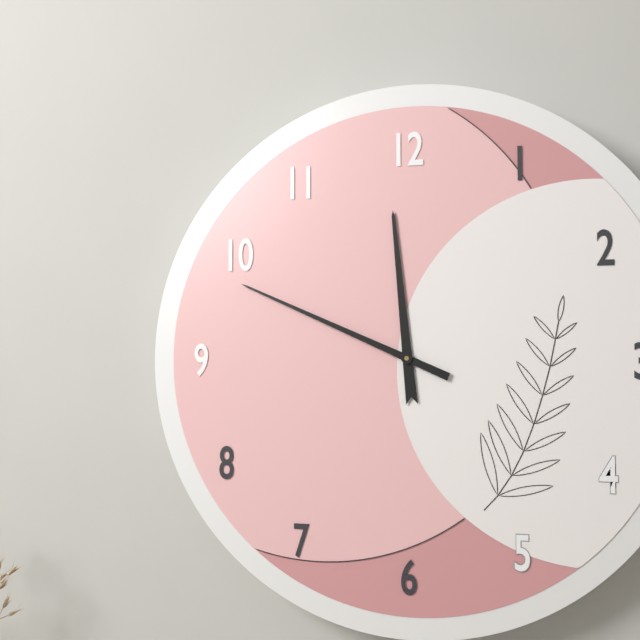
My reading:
**11:49**
